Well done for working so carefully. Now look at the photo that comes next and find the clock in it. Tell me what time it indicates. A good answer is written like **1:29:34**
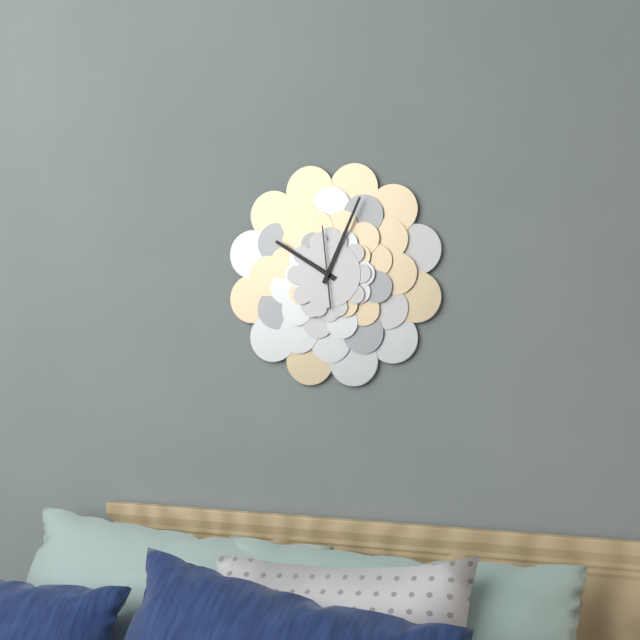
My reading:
**10:04:59**
